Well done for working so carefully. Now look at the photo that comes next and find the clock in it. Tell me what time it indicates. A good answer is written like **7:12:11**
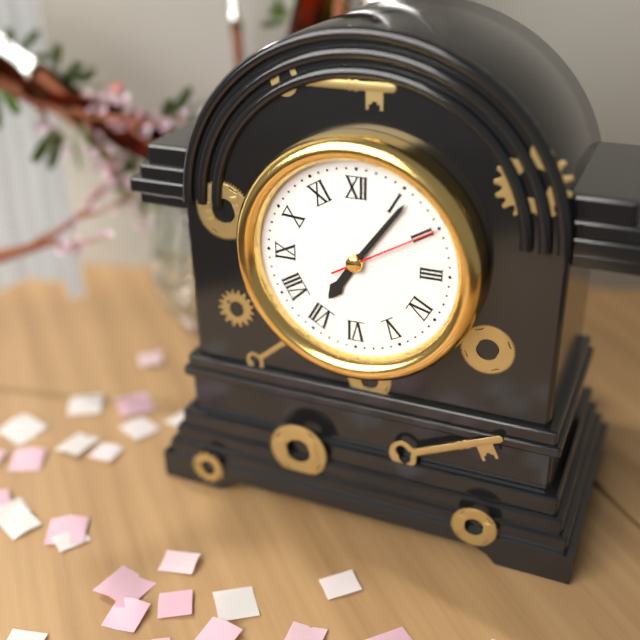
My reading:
**7:06:10**
